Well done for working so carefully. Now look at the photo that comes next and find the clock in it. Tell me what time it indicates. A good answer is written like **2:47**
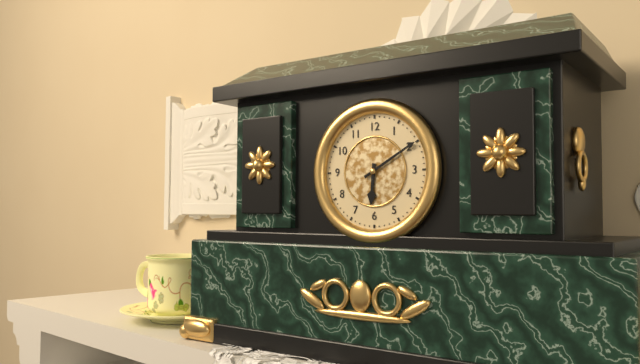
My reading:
**6:10**
